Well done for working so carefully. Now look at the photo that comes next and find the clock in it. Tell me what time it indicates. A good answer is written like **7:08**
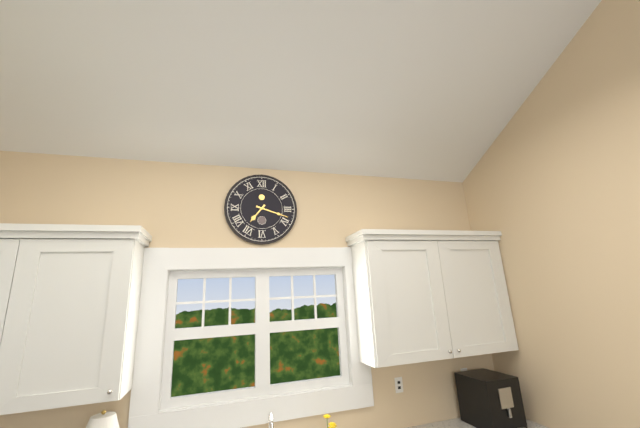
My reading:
**7:18**
